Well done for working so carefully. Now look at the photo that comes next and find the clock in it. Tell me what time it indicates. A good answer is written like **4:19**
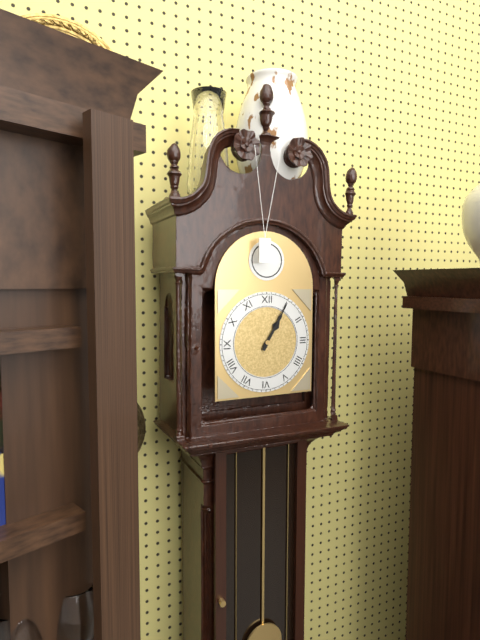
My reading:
**1:05**
